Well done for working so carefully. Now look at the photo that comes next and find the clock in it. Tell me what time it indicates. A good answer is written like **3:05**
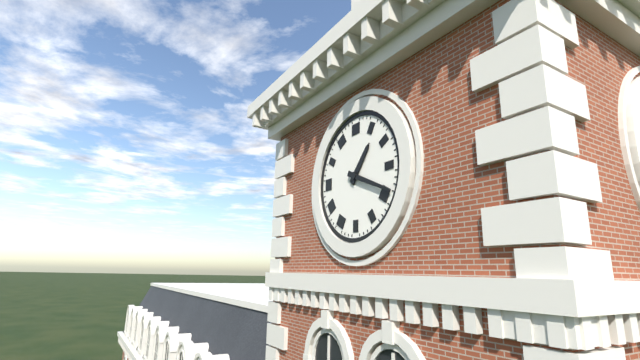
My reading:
**1:19**
